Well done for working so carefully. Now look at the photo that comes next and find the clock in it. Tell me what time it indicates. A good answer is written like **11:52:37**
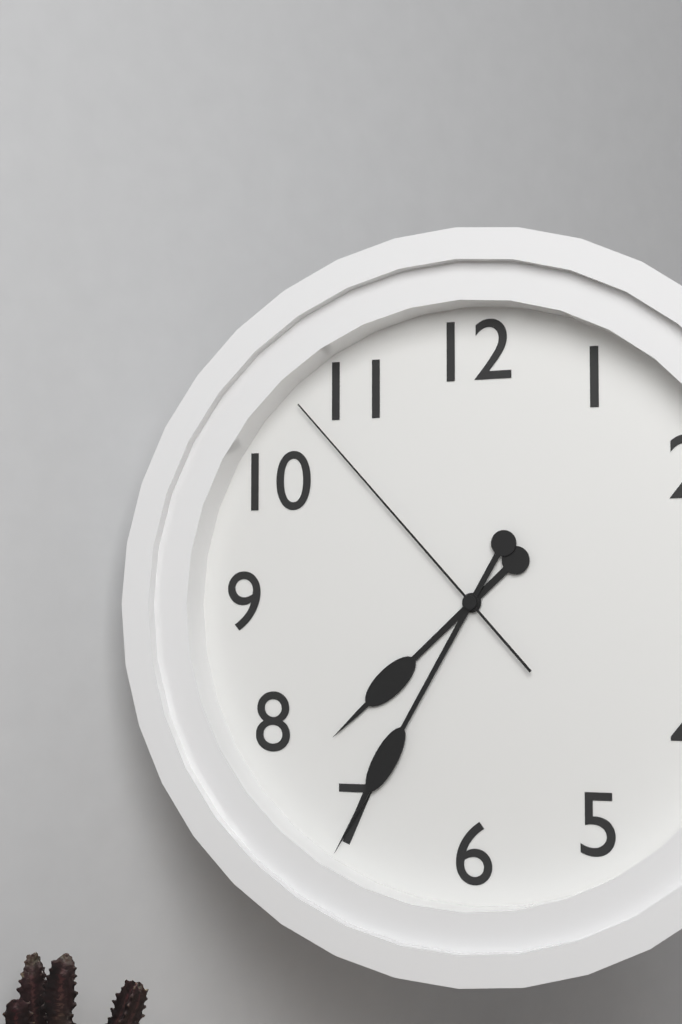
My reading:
**7:35:53**
